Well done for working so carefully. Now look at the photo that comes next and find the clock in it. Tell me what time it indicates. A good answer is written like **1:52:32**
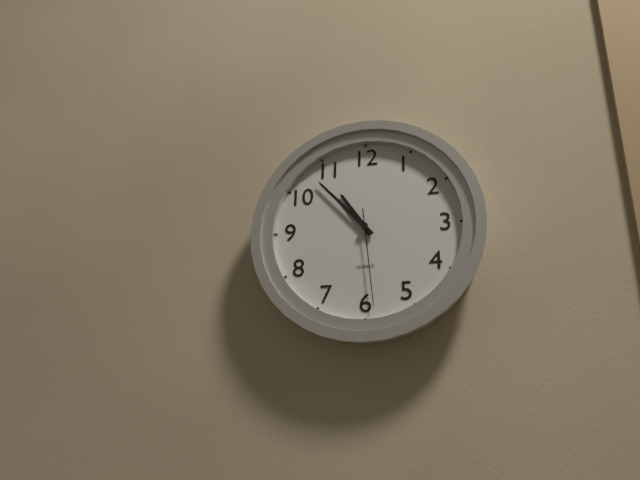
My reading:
**10:53:29**
